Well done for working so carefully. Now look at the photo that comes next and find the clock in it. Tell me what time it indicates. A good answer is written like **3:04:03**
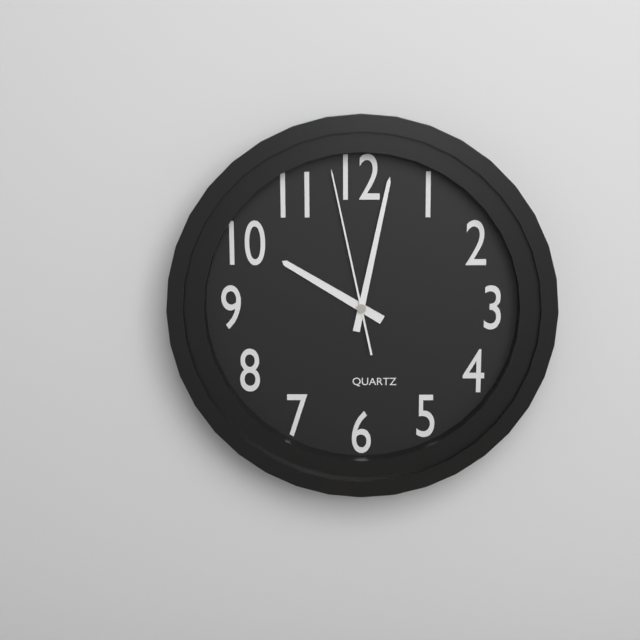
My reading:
**10:02:58**
